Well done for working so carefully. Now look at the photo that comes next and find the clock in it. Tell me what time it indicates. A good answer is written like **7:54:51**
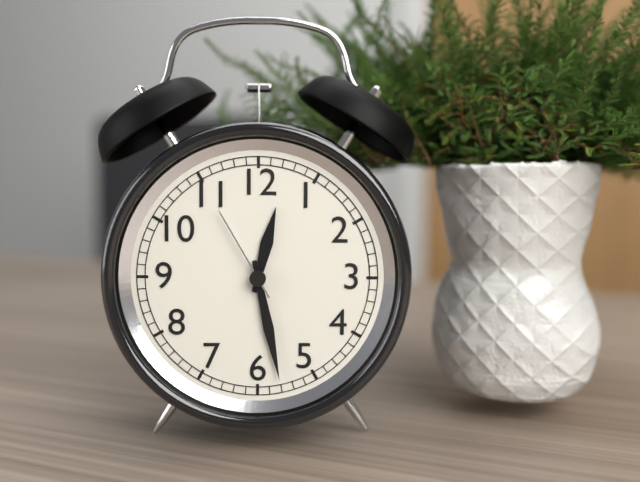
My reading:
**12:28:55**
